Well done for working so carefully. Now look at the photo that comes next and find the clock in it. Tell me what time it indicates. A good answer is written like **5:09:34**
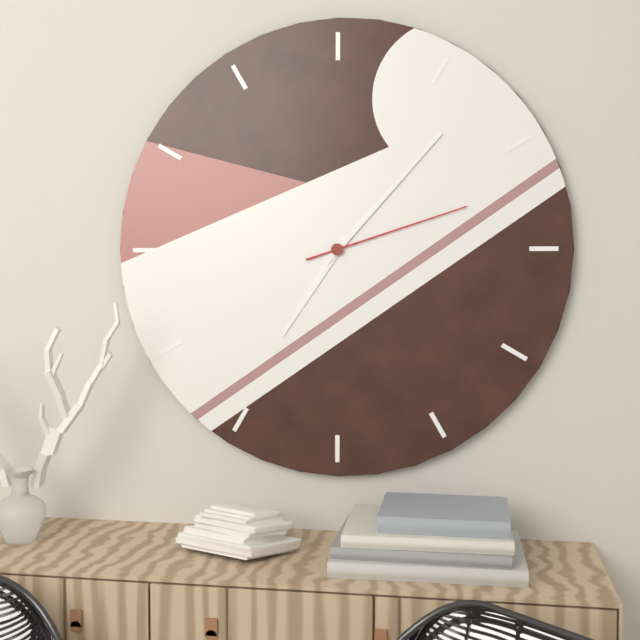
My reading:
**7:07:12**
